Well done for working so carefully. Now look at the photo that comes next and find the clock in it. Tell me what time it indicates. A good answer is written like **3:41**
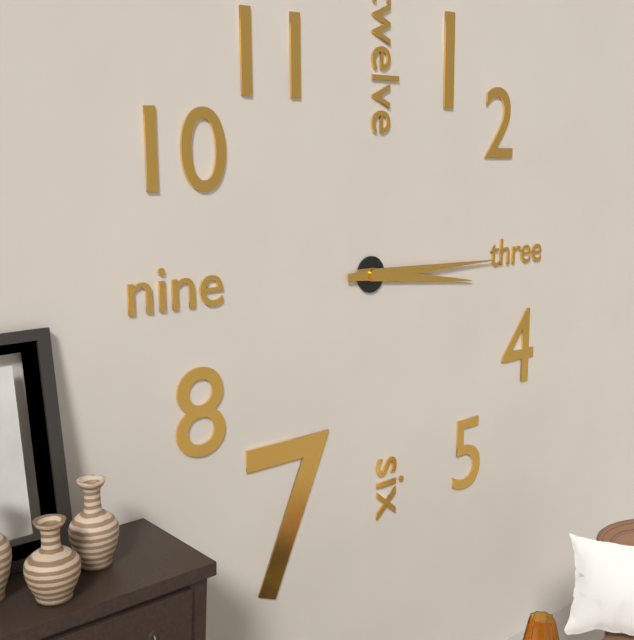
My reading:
**3:15**
